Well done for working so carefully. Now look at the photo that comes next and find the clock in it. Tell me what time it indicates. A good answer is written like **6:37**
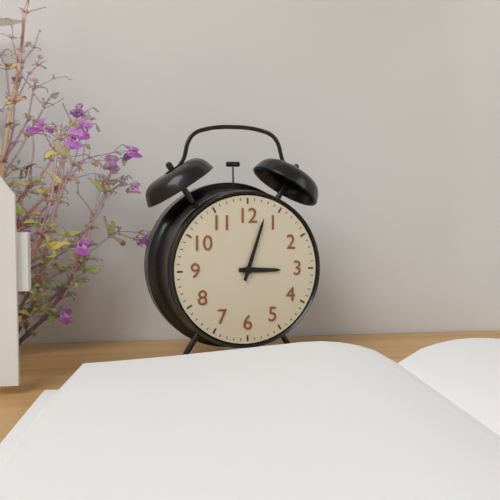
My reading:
**3:03**
